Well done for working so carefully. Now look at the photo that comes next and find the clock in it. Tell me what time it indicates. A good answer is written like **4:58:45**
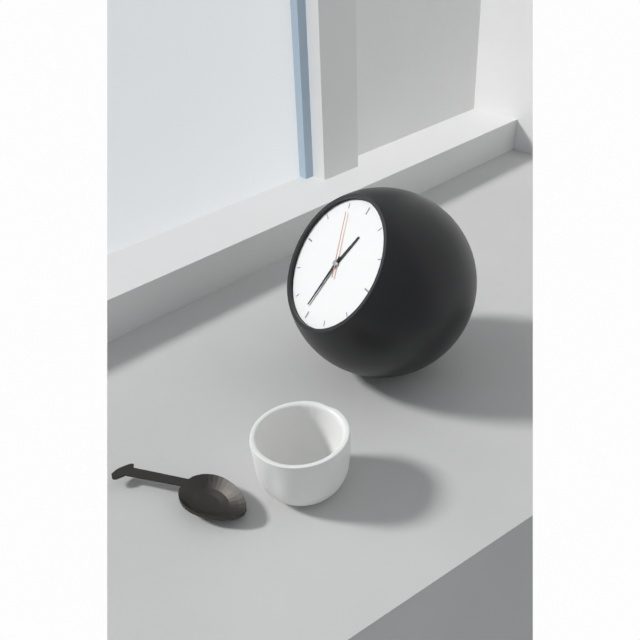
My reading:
**12:31:55**
